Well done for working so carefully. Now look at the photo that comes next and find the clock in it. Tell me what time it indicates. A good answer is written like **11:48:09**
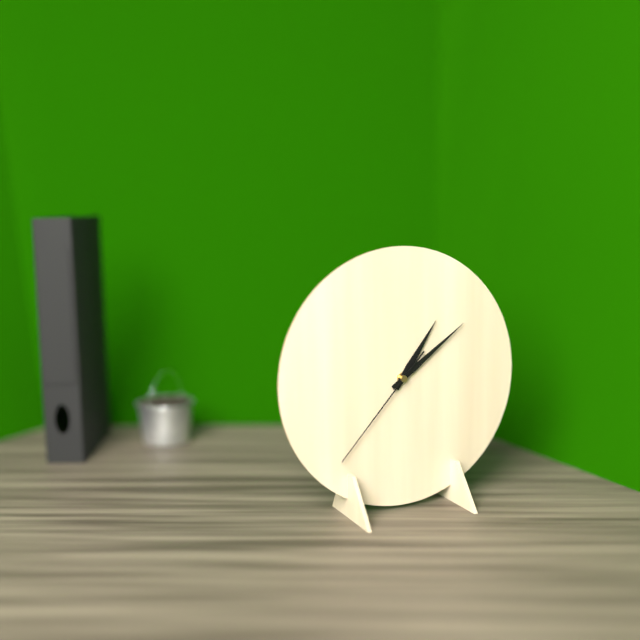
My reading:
**1:09:37**
